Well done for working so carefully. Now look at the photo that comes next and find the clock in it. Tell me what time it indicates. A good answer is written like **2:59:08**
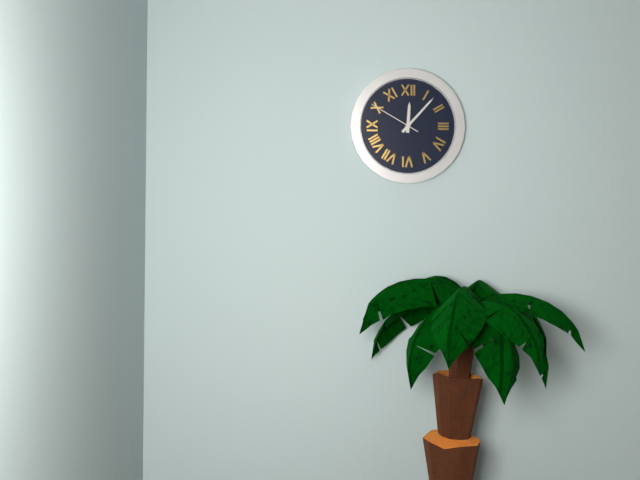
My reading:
**12:07:50**
